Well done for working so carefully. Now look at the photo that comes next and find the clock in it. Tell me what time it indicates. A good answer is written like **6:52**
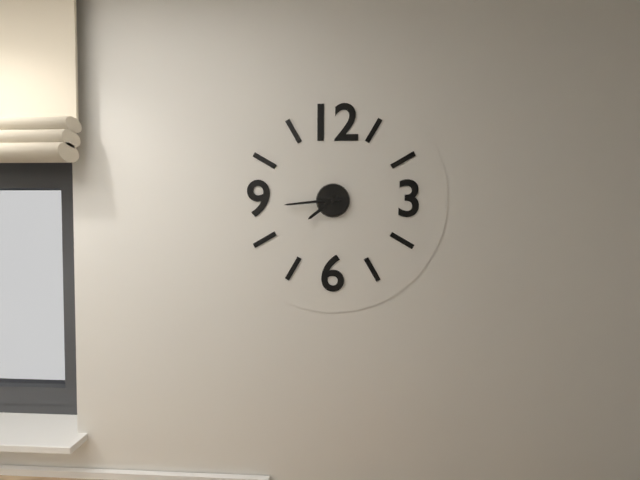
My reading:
**7:44**
